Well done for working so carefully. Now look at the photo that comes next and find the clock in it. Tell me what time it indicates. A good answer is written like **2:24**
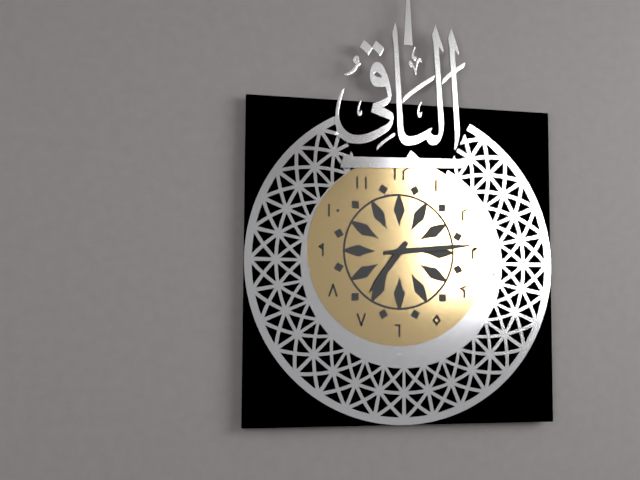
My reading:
**7:14**
